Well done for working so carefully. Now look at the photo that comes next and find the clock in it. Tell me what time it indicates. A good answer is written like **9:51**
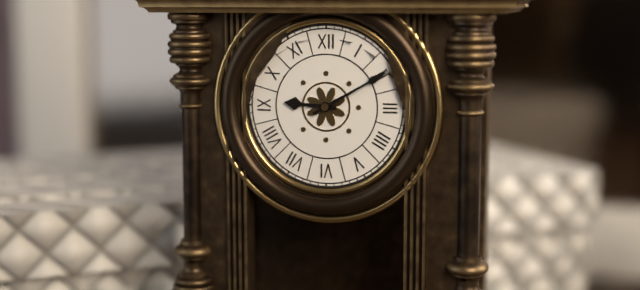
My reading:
**9:10**
